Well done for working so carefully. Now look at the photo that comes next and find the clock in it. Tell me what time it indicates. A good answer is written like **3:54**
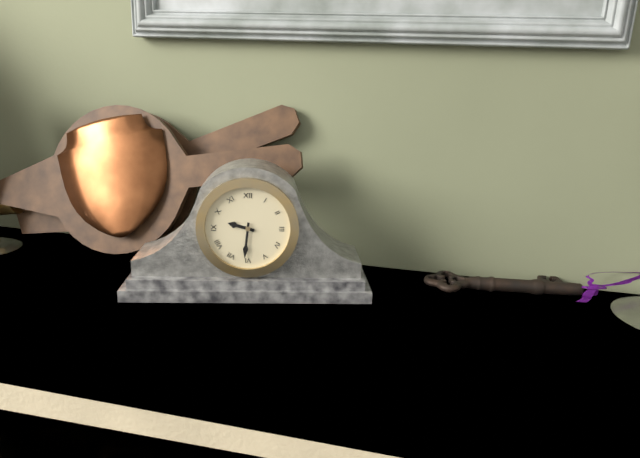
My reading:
**9:31**
